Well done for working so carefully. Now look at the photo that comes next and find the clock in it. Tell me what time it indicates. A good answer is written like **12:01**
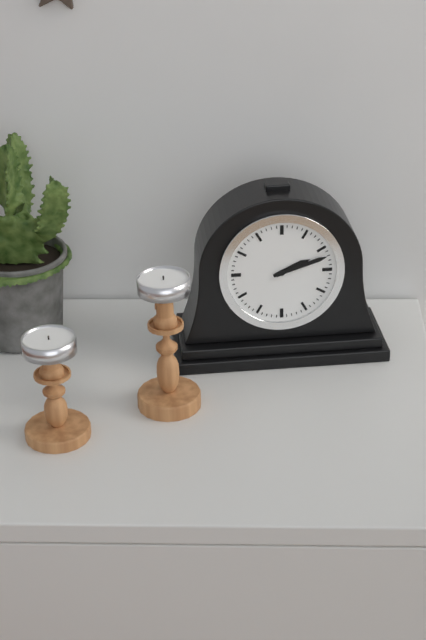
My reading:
**2:12**
